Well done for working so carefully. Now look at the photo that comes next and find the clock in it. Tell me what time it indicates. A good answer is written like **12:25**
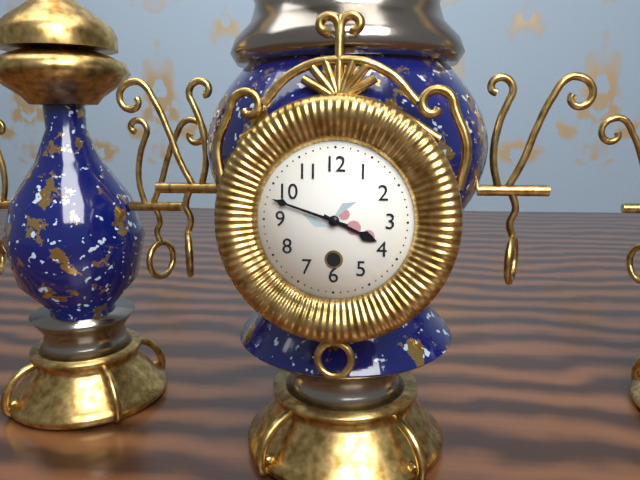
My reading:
**3:48**
